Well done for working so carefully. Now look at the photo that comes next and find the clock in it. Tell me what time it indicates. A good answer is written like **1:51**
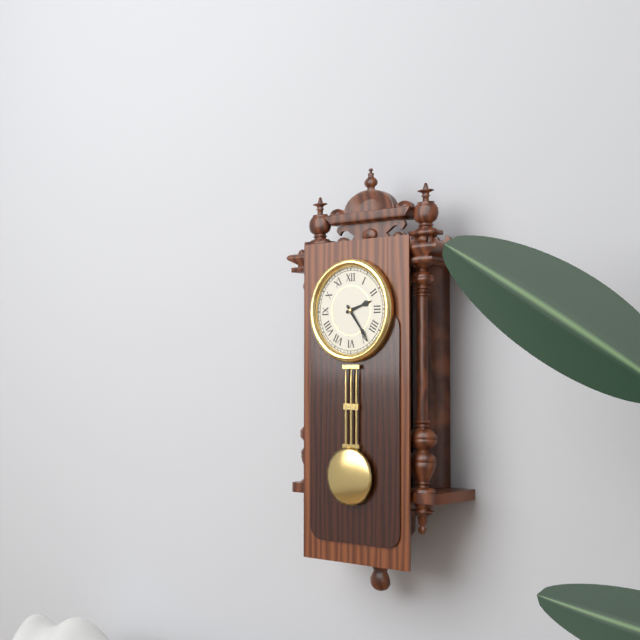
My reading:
**2:24**
